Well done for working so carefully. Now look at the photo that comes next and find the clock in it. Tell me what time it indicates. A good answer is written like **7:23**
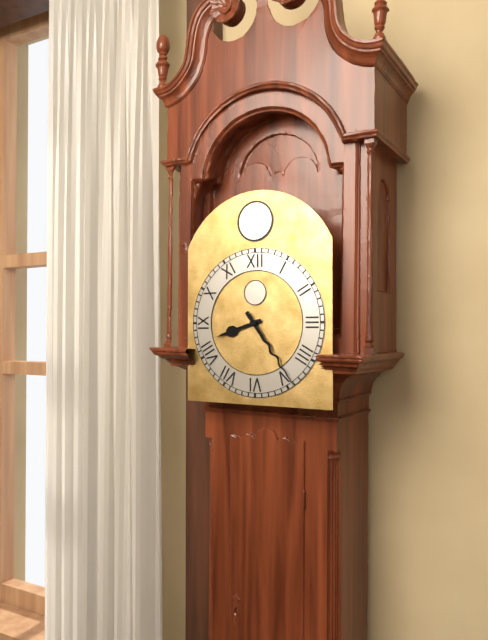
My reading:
**8:24**
